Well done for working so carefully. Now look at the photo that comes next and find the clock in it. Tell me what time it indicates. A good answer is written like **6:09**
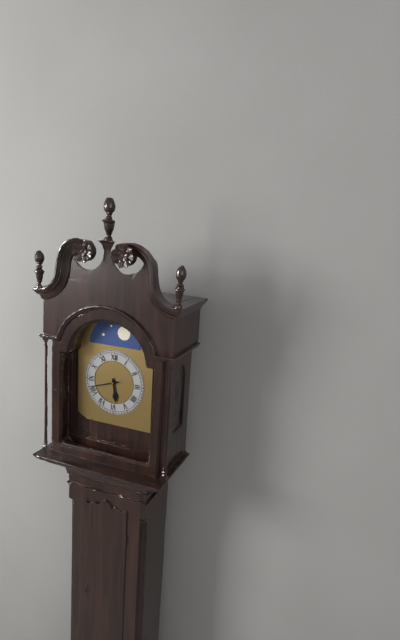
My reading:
**5:42**
